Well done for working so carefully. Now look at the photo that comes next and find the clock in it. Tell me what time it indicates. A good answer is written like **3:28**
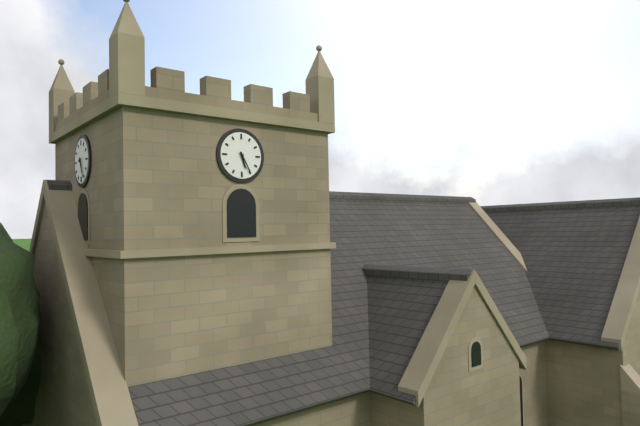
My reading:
**5:25**
